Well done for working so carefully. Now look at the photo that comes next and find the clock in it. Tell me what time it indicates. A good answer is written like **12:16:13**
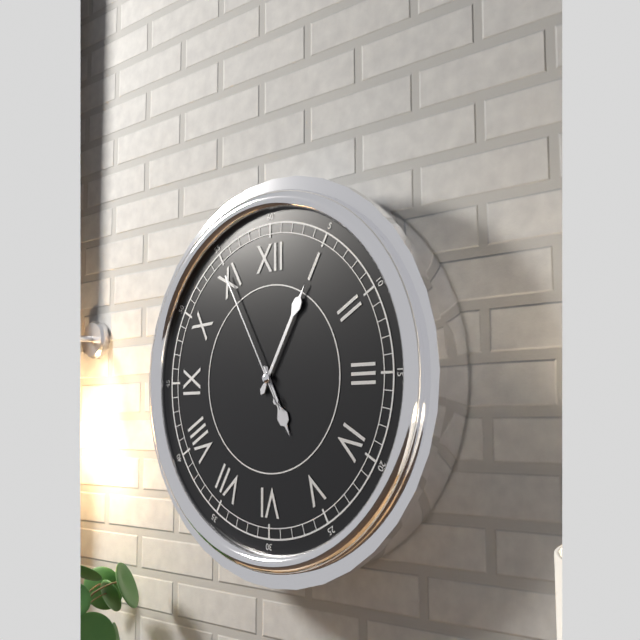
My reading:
**5:05:55**
